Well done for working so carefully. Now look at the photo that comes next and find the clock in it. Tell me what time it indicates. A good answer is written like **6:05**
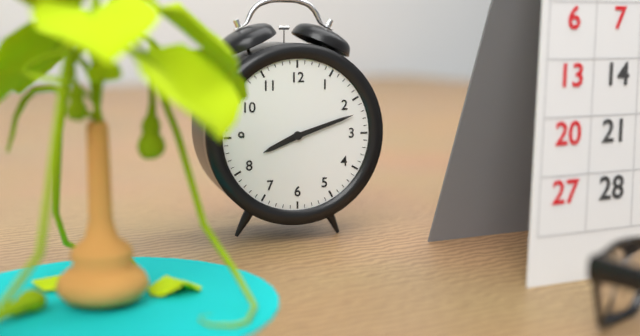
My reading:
**8:12**
